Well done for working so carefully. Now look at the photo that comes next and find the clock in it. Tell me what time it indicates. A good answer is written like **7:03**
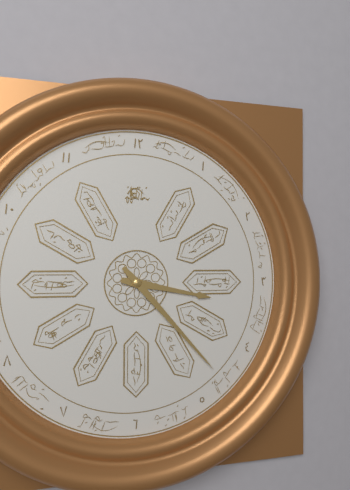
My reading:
**3:23**
